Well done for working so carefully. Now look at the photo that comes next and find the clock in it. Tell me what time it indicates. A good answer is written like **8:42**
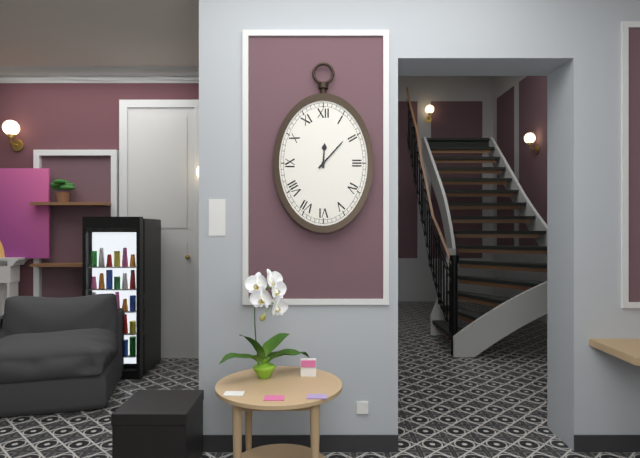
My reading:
**12:07**
